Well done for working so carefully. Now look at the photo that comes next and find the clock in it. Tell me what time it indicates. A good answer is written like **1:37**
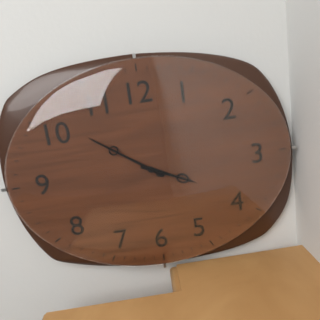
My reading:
**3:51**
